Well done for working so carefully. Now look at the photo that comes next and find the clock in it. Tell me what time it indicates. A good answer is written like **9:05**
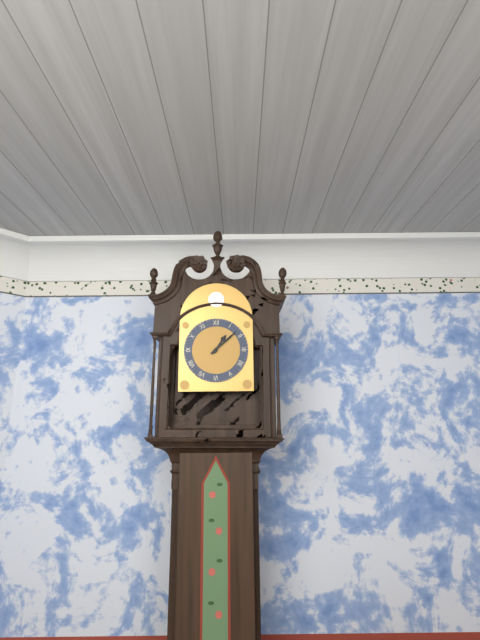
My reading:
**1:08**
